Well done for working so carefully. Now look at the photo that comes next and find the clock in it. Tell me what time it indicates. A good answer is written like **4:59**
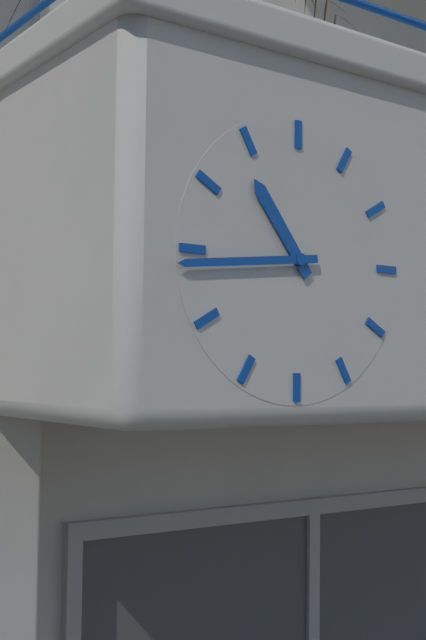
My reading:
**10:44**
